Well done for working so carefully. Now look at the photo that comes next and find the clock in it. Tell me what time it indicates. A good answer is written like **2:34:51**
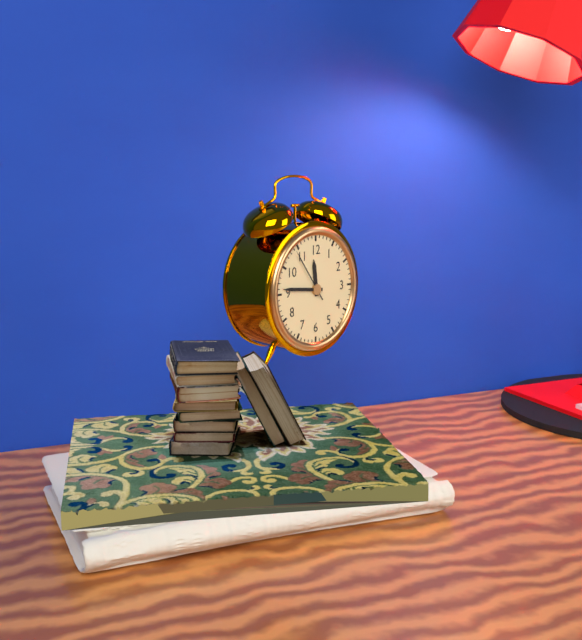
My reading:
**11:46:54**
